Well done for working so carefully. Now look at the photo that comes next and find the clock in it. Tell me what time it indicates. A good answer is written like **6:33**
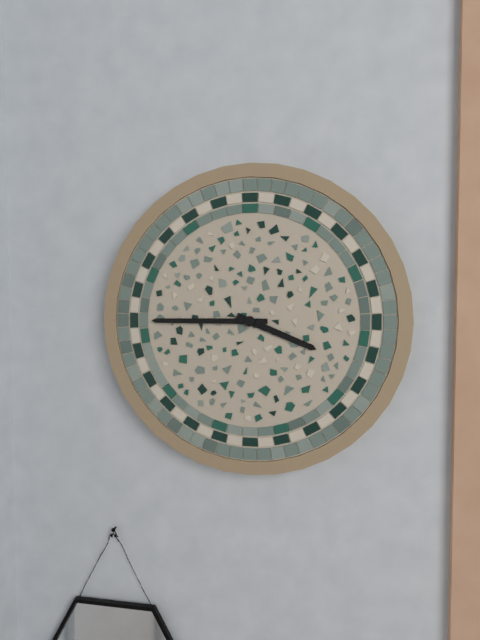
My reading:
**3:45**
